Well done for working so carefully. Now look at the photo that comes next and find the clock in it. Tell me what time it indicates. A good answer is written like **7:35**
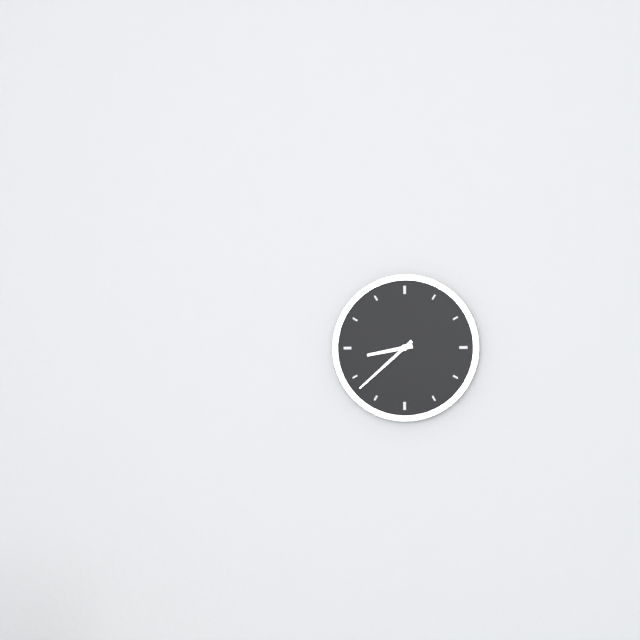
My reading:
**8:38**
